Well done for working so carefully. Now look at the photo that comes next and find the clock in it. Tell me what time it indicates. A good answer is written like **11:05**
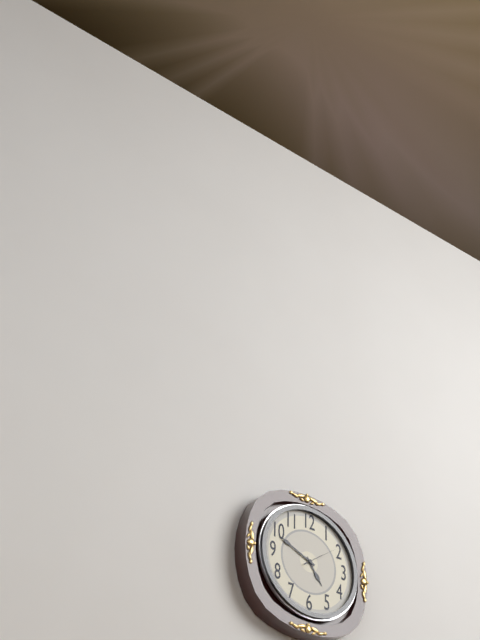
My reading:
**4:49**
